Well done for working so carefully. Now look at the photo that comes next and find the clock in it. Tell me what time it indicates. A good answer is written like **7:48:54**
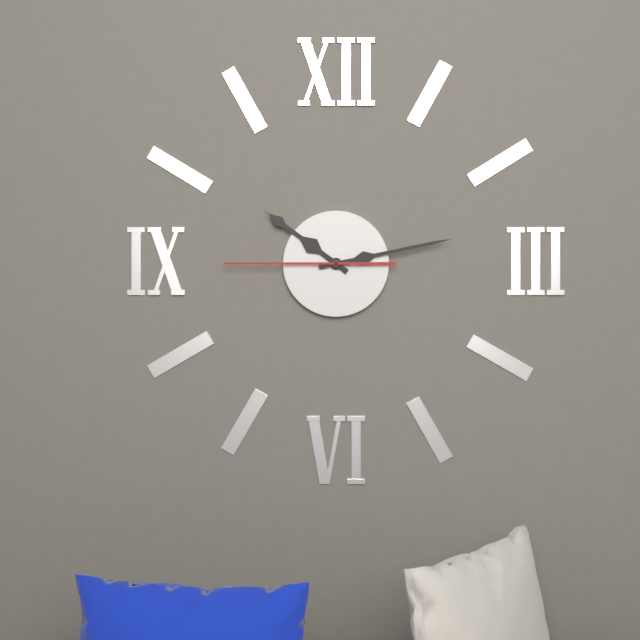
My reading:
**10:13:45**
